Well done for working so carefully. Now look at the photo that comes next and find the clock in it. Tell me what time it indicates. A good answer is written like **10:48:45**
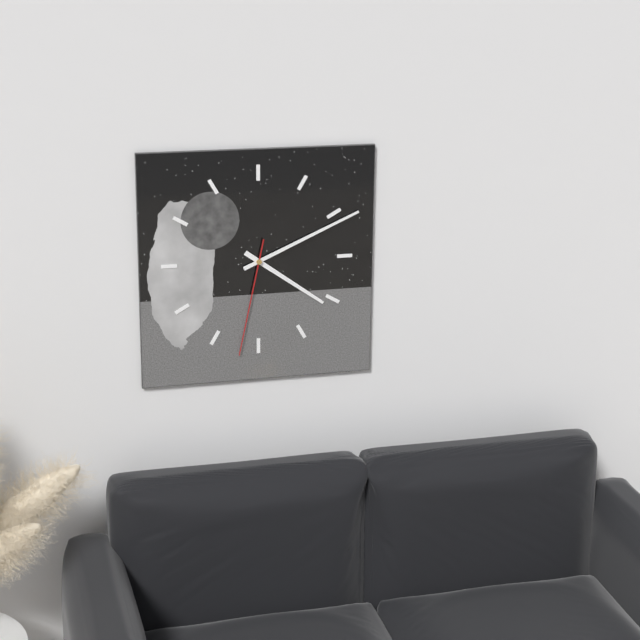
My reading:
**4:11:32**
